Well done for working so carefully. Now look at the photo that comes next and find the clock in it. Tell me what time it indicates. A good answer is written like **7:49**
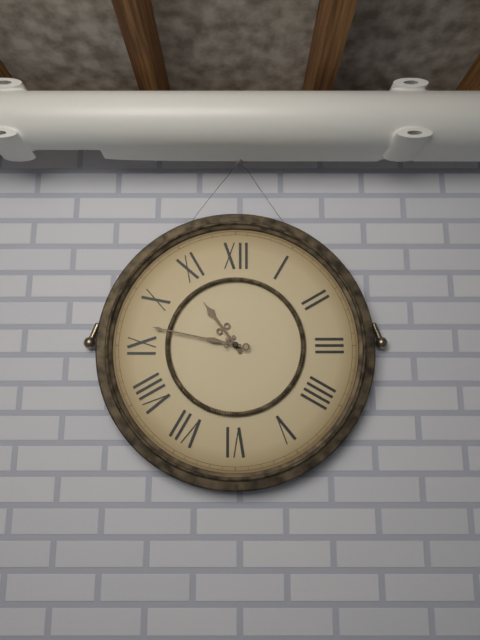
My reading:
**10:47**
